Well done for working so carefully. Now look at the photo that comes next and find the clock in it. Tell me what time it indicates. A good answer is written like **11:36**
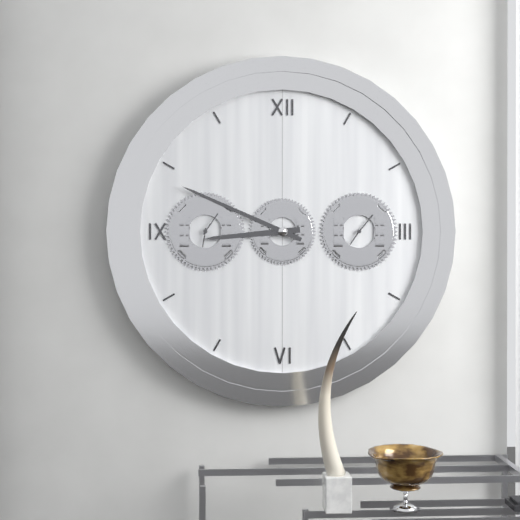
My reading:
**8:49**
